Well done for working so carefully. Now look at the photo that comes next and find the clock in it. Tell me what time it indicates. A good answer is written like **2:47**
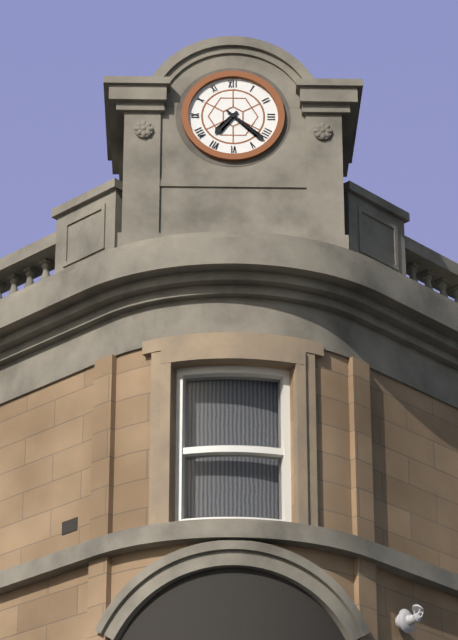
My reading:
**7:22**
